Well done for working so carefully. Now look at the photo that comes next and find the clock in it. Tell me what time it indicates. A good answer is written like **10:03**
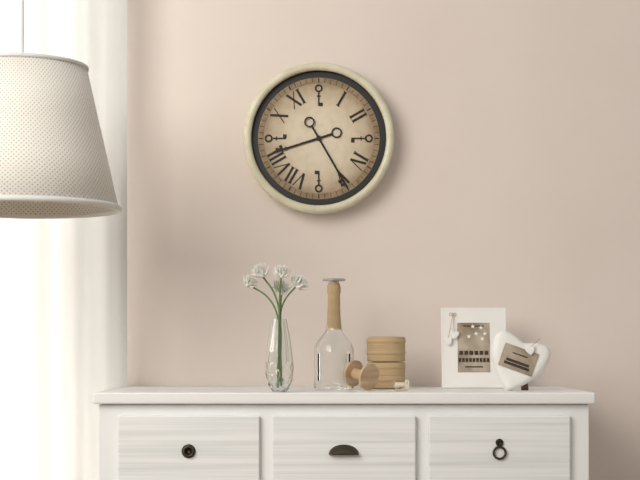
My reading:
**8:25**
